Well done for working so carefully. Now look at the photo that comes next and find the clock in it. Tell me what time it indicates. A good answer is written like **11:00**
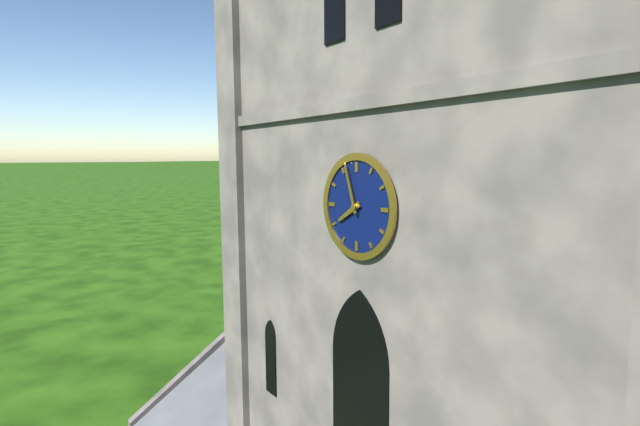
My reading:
**7:57**
